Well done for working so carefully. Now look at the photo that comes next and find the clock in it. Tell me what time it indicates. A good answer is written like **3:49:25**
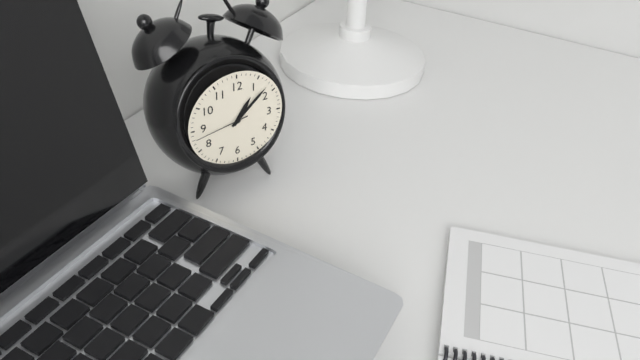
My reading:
**1:08:43**
